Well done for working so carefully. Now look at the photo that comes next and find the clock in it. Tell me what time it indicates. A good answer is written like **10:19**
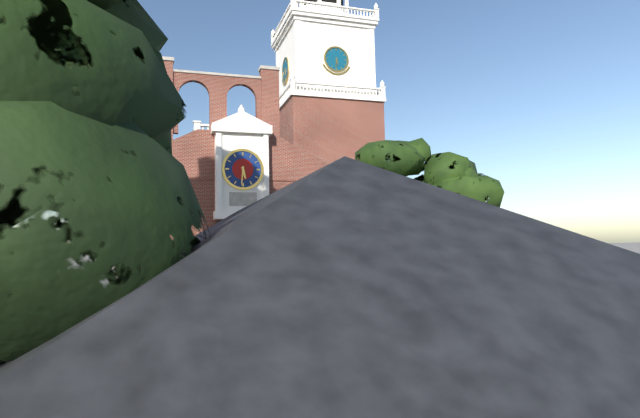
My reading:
**5:31**
